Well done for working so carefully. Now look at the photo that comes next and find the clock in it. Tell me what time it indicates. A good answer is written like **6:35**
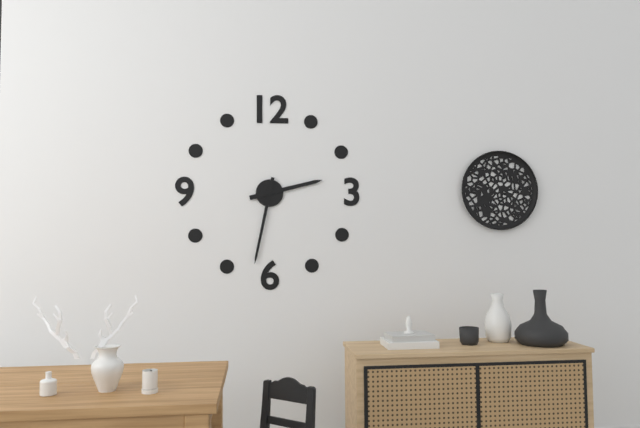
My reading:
**2:32**
